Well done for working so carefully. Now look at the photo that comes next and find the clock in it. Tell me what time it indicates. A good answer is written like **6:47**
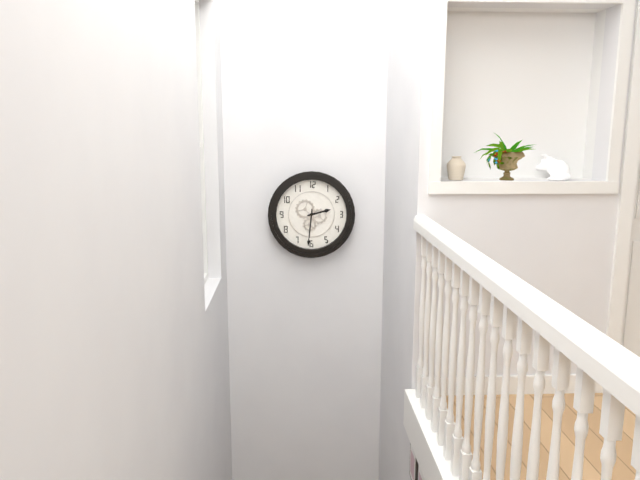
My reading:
**2:31**
